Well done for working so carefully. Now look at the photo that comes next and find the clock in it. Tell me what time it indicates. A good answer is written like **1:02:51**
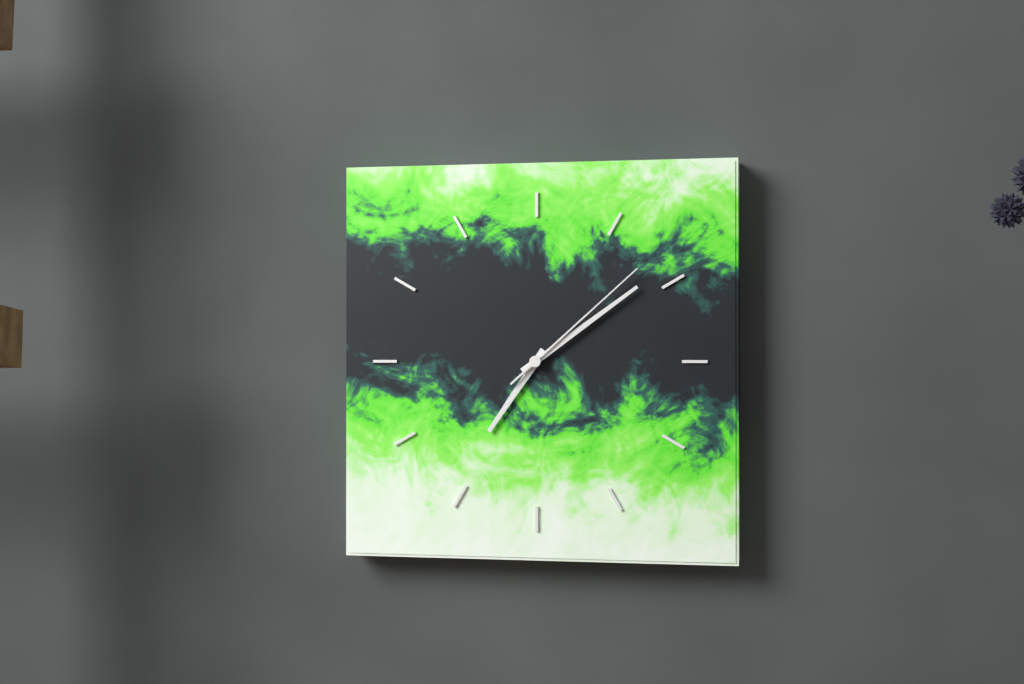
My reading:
**7:09:08**
